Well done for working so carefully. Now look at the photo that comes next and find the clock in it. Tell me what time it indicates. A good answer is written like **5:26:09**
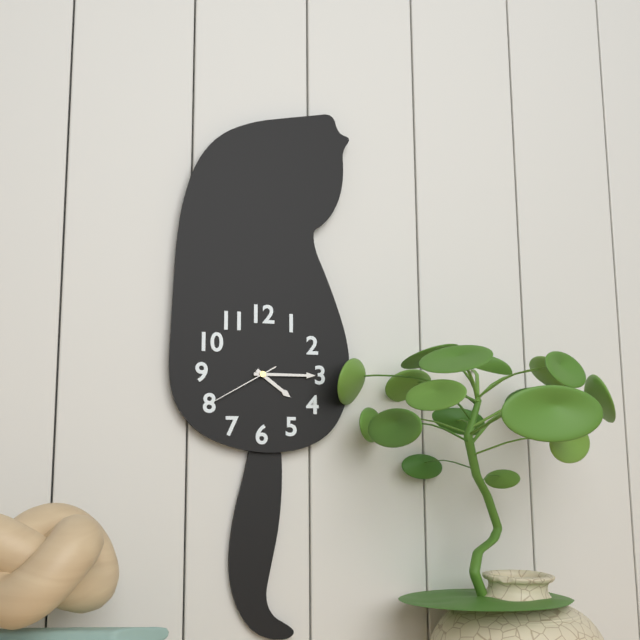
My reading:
**4:15:40**
